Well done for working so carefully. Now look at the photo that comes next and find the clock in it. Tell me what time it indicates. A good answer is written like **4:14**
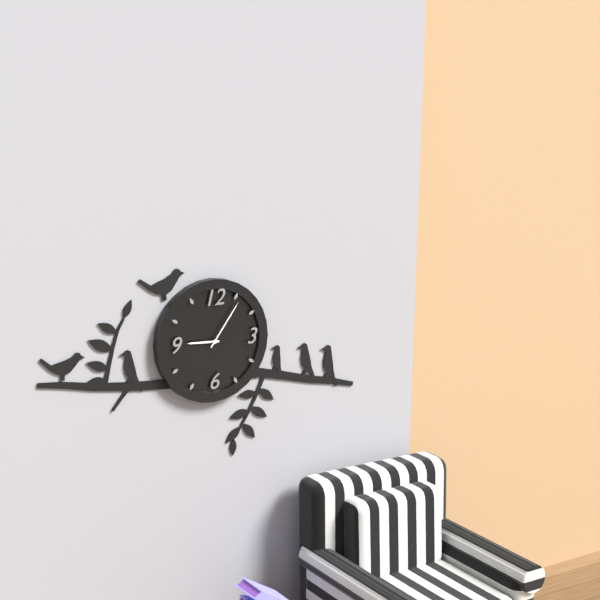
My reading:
**9:06**
